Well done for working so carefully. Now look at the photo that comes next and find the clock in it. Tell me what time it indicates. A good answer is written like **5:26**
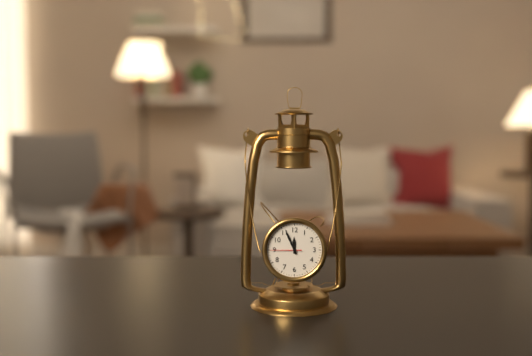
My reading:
**11:56**
